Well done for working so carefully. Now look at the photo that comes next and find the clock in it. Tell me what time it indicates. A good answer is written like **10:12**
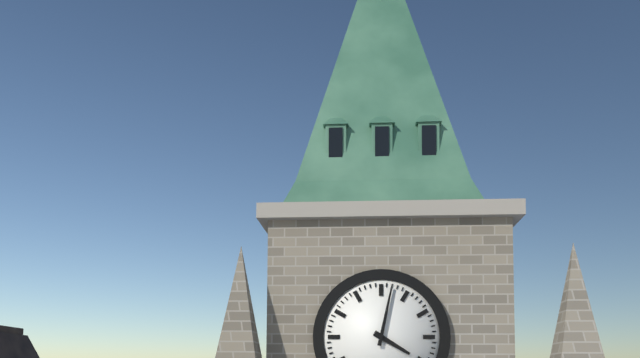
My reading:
**4:02**
